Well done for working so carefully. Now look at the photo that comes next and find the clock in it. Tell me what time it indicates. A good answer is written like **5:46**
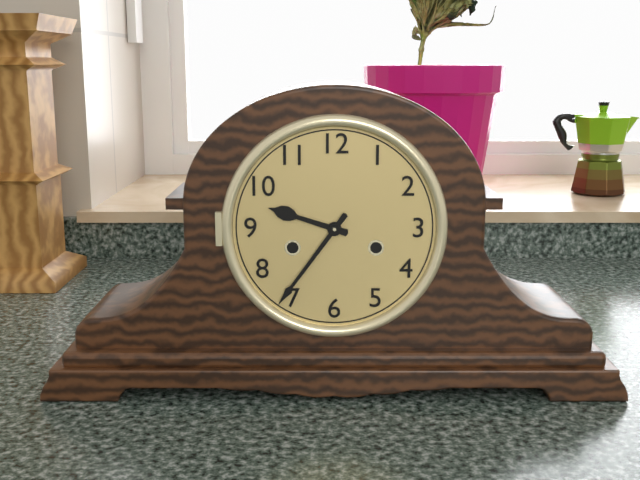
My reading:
**9:36**
